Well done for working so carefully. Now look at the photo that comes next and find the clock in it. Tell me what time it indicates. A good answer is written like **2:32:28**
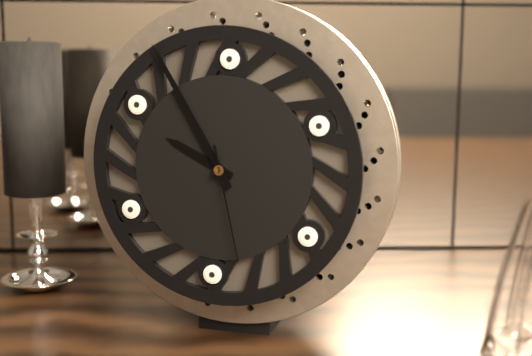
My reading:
**9:55:28**
